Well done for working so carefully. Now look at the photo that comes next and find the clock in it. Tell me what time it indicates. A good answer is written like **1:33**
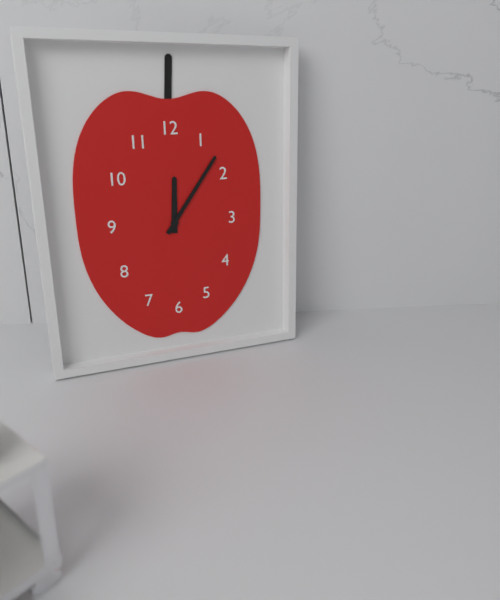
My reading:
**12:06**
